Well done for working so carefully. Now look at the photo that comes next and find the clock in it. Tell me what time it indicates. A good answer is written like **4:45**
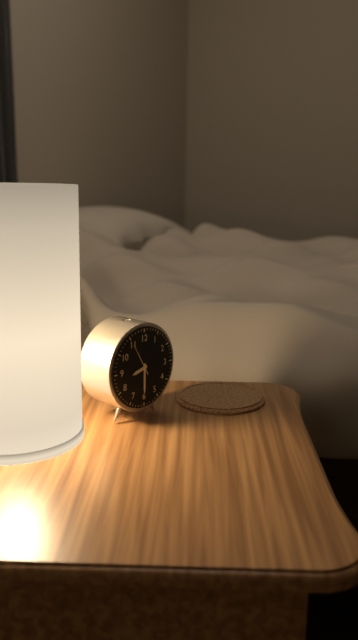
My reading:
**8:30**
